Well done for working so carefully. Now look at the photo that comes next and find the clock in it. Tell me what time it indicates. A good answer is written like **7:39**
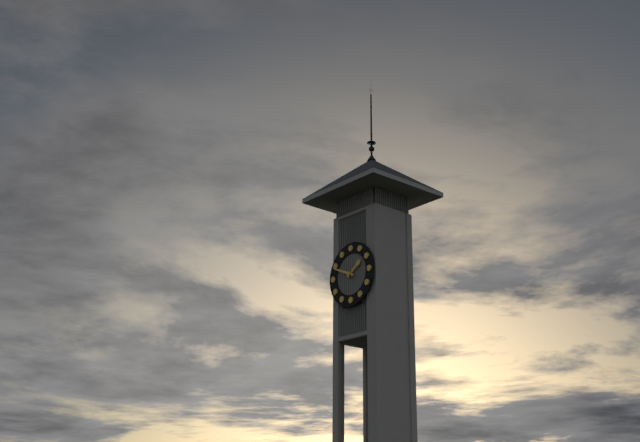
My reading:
**1:49**
